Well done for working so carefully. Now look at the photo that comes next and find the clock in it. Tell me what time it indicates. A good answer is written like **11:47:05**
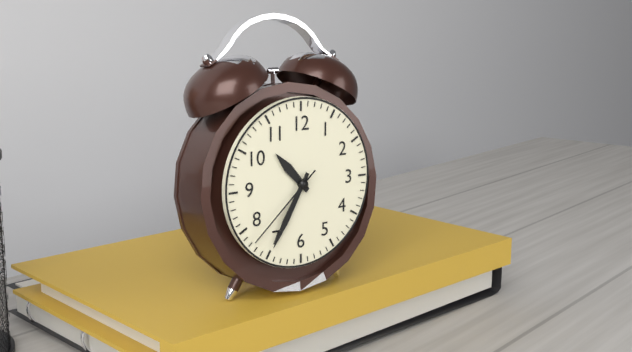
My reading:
**10:35:38**
